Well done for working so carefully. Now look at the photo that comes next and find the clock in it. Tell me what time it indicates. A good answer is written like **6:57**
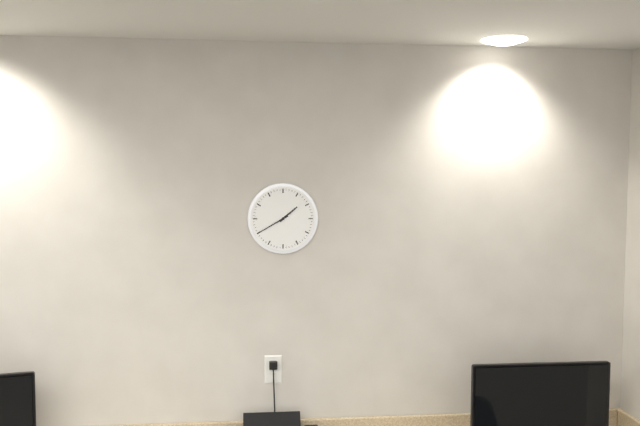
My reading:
**1:40**
